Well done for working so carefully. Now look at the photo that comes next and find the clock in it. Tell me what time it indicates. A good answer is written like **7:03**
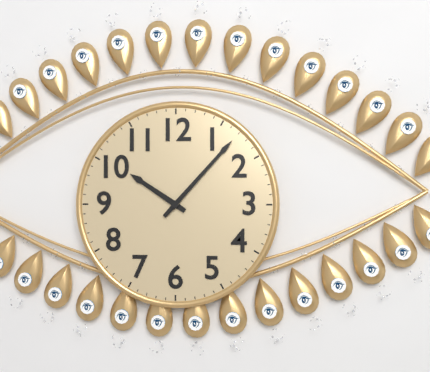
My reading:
**10:07**
